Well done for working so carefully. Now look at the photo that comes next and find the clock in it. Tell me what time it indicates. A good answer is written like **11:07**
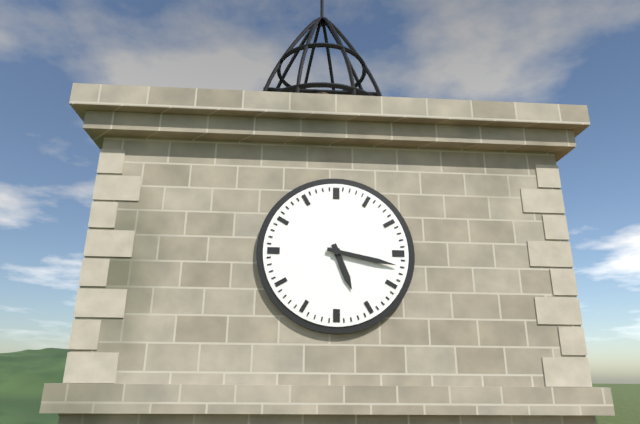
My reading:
**5:17**
